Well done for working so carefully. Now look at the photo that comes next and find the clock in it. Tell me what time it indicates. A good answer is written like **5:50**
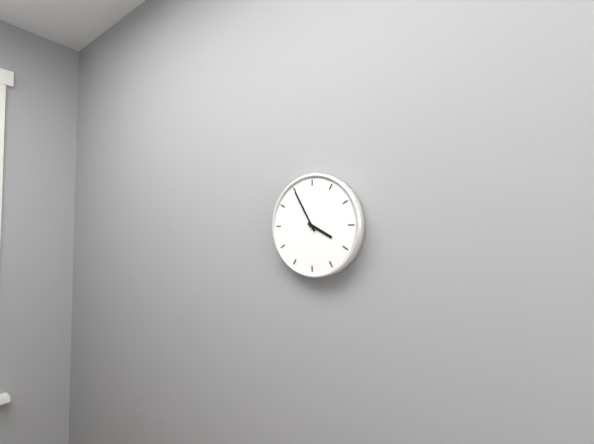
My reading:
**3:55**
